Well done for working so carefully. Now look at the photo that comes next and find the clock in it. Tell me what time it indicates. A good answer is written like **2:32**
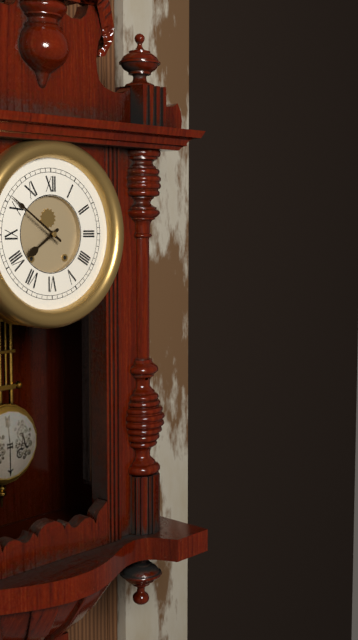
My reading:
**7:51**
